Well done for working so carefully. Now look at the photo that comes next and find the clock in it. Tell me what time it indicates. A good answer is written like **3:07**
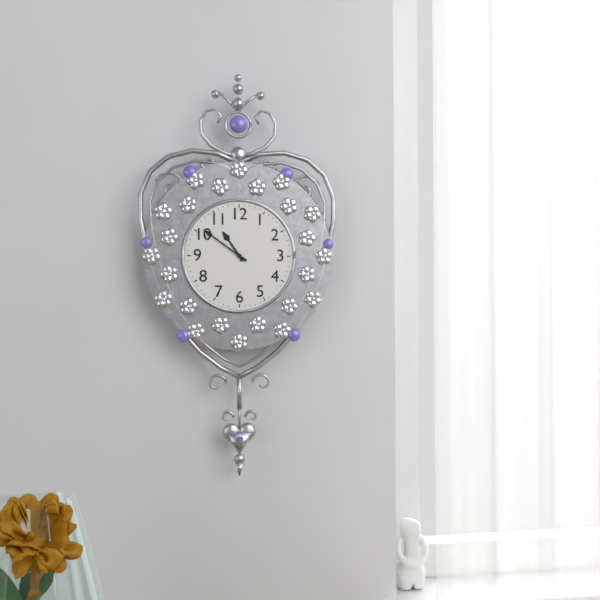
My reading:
**10:51**
